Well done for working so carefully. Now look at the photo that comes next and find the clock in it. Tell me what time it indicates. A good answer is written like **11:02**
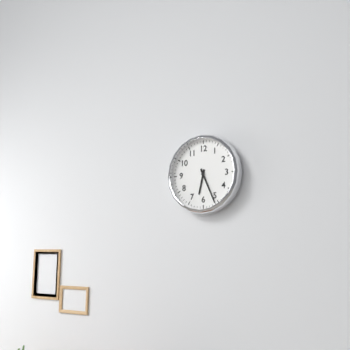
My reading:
**6:26**
